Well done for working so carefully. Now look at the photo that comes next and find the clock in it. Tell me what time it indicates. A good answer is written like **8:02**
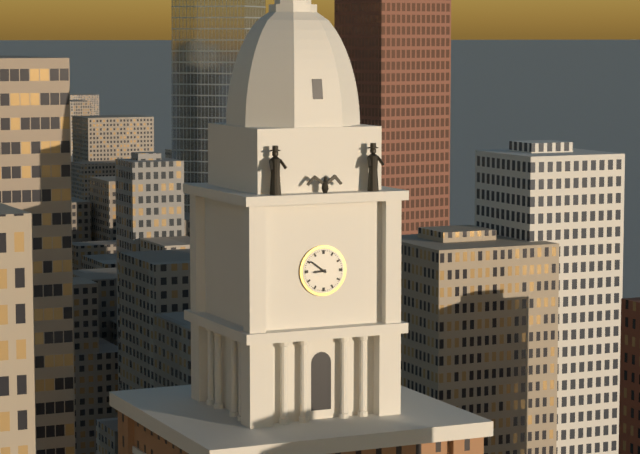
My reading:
**8:51**
